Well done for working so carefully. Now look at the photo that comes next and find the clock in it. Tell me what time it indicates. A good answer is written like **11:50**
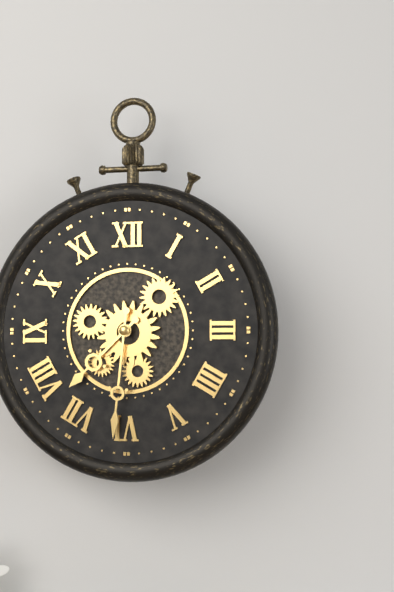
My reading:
**7:31**
